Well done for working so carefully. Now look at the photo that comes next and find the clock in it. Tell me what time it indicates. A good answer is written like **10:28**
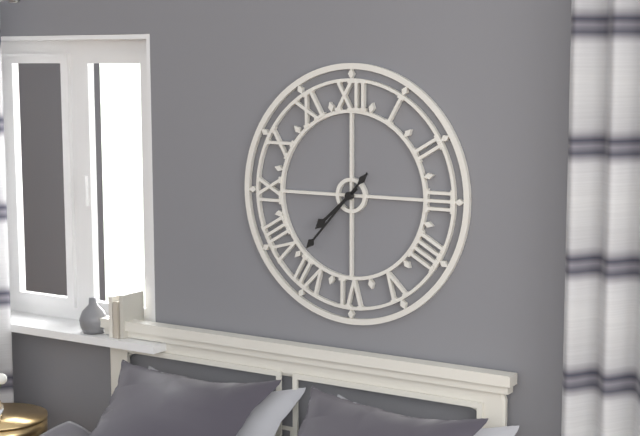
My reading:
**7:37**
